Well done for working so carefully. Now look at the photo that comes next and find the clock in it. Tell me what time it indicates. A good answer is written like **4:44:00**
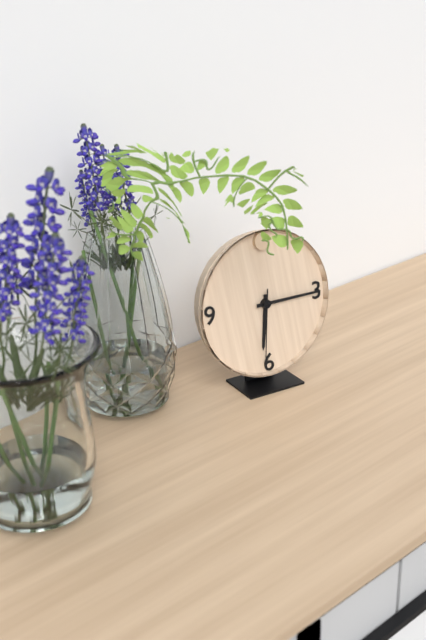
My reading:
**6:15:31**
